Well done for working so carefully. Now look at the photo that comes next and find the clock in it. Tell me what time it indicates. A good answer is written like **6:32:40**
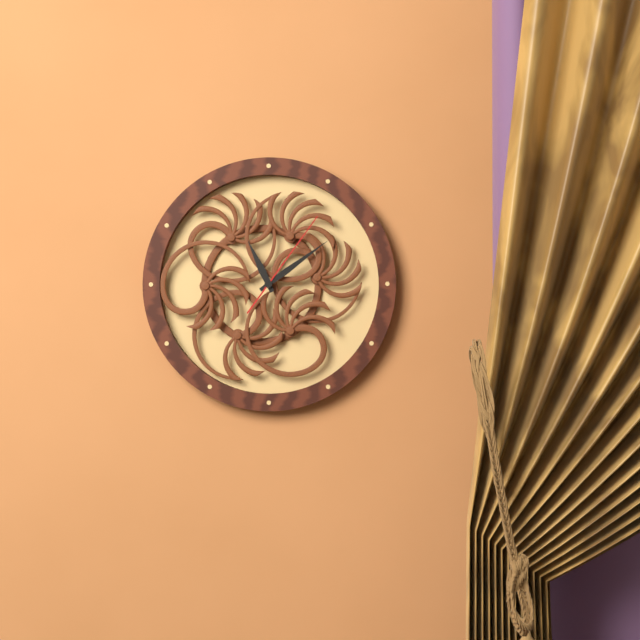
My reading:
**11:09:06**
